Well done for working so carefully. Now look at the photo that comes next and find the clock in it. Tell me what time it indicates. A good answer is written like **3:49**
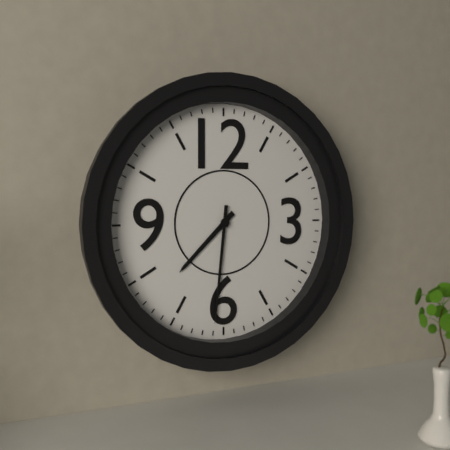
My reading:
**7:31**
